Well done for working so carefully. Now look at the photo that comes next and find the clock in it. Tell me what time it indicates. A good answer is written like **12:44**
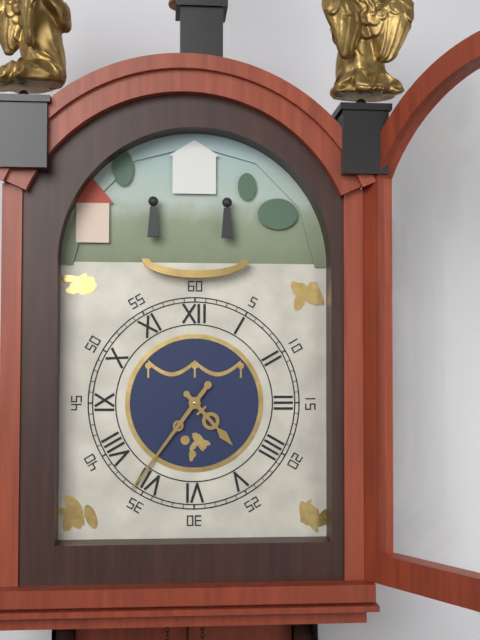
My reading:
**4:36**
